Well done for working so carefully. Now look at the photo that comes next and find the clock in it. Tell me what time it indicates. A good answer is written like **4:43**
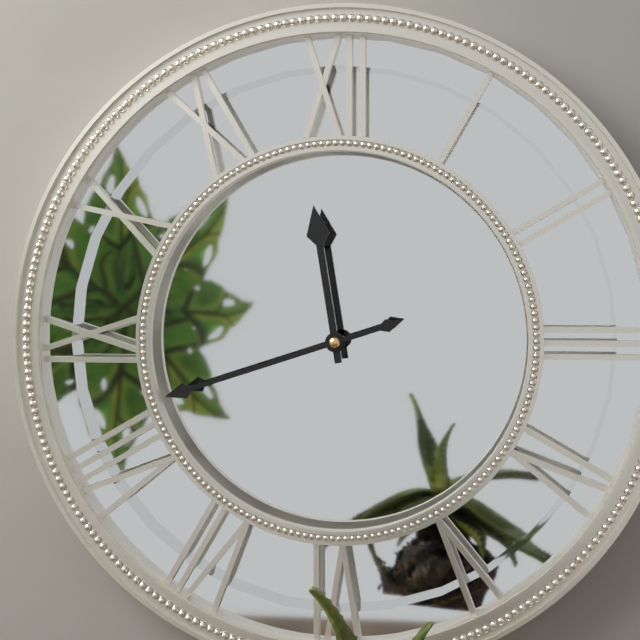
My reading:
**11:42**
